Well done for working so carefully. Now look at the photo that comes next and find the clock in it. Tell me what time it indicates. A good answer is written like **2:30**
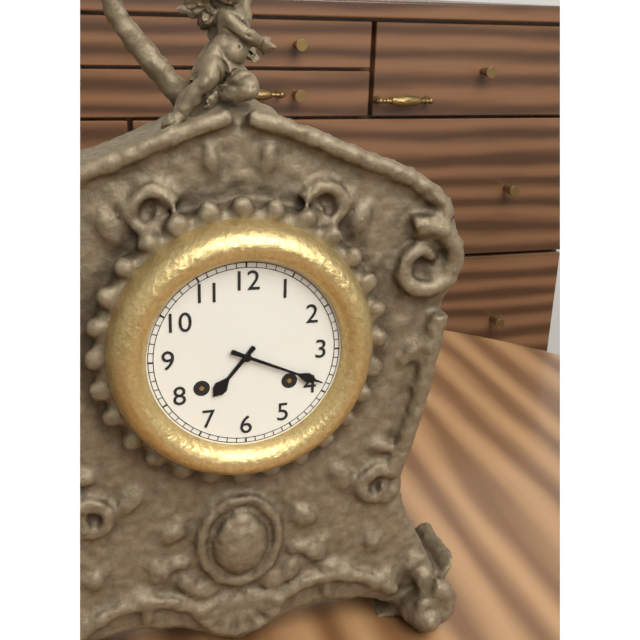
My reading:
**7:19**
